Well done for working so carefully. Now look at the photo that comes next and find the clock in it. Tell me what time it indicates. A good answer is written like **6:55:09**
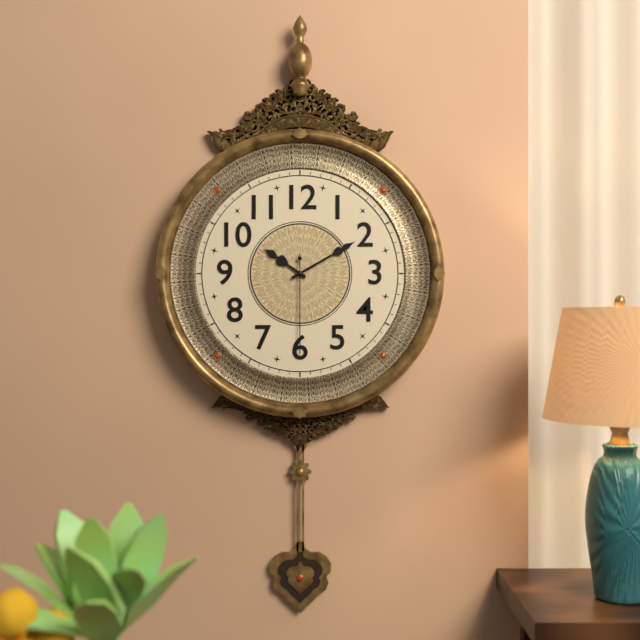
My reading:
**10:10:30**
